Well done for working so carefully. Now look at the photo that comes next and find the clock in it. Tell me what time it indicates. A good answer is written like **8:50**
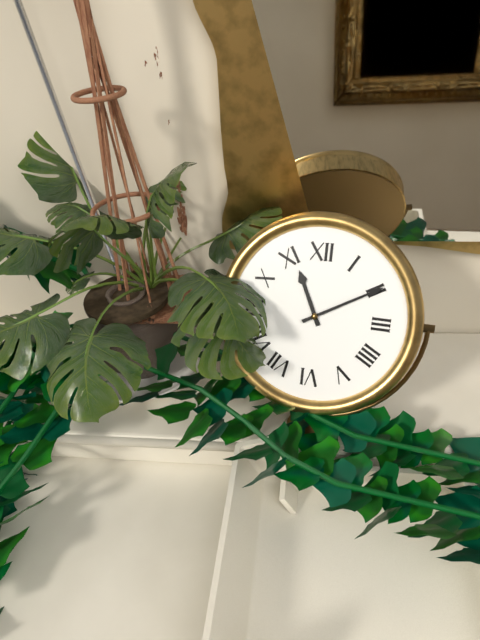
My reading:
**11:10**
